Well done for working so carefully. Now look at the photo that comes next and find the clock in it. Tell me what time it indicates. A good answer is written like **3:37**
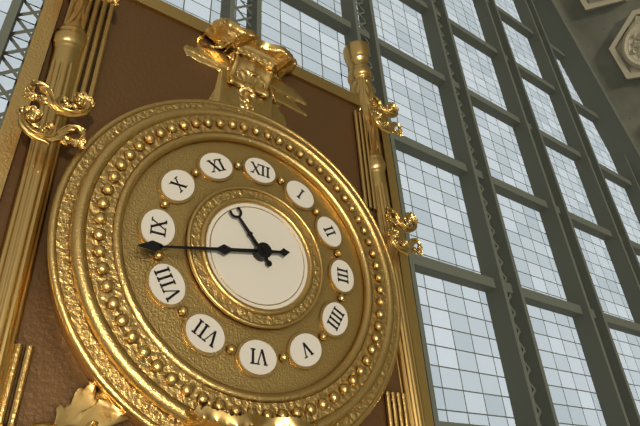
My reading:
**10:43**
